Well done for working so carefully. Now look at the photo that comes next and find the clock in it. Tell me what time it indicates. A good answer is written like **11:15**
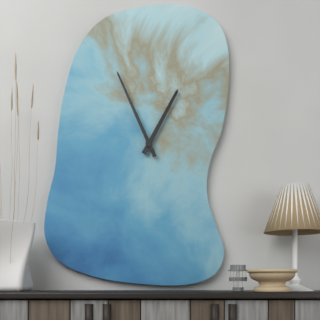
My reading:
**12:56**
